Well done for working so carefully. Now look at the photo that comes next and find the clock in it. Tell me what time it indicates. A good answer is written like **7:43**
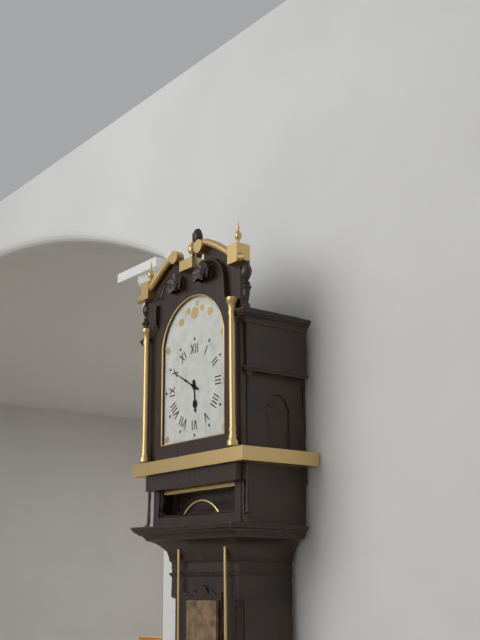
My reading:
**5:50**
